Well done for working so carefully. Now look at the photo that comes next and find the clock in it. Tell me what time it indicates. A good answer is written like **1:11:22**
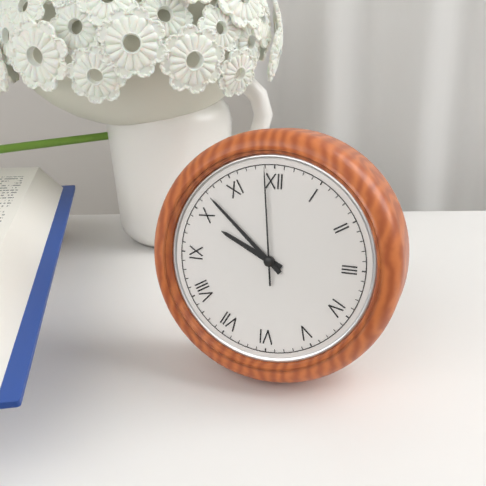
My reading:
**9:52:59**
